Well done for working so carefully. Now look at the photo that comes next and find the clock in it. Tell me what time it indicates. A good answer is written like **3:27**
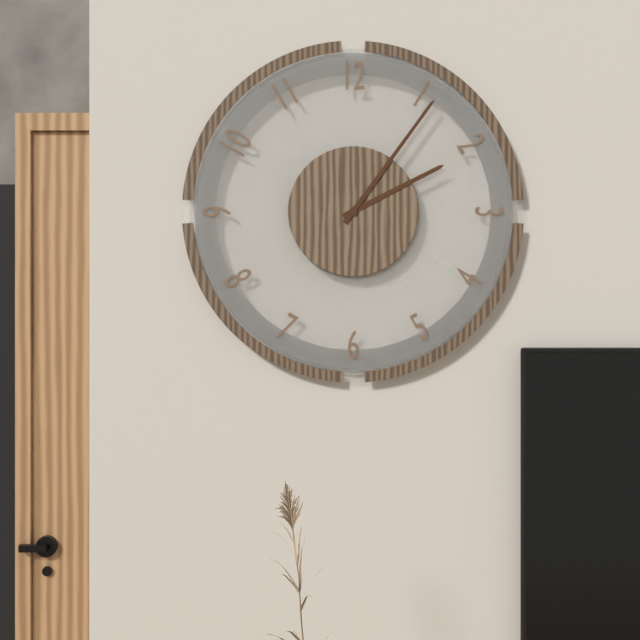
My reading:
**2:06**
